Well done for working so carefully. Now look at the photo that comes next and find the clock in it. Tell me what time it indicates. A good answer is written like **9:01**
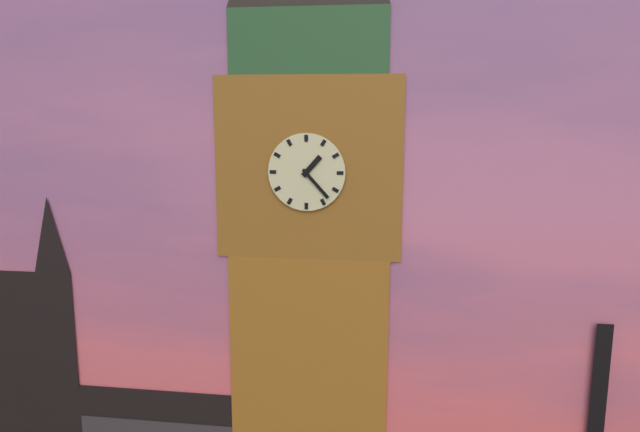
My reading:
**1:23**
